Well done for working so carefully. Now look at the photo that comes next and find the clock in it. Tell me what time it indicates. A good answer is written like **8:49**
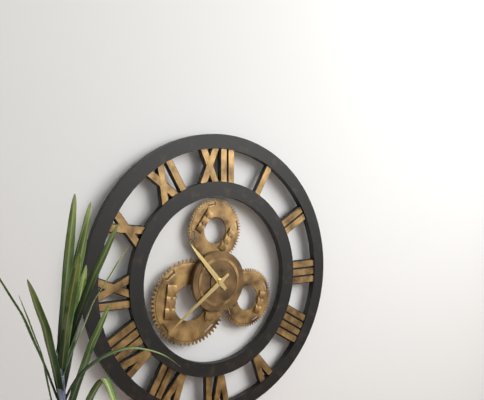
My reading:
**10:39**
